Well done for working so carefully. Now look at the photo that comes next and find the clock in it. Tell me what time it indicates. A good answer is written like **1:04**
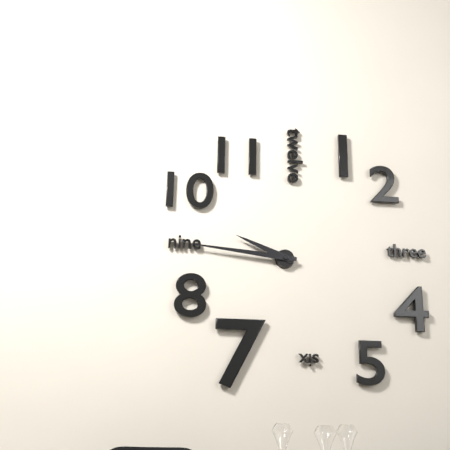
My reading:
**9:46**
